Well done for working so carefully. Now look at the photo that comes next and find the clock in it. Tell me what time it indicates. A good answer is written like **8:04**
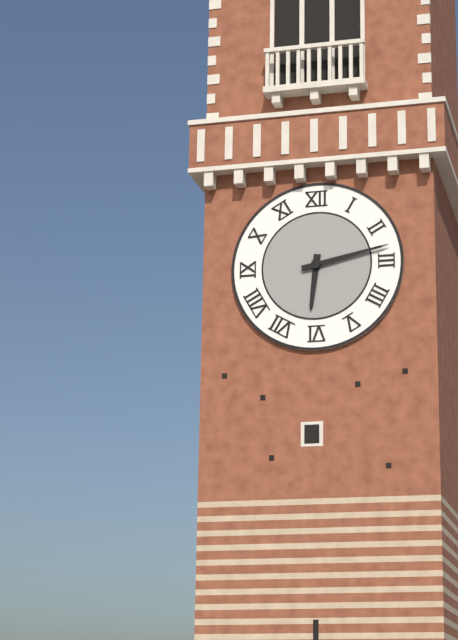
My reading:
**6:13**
